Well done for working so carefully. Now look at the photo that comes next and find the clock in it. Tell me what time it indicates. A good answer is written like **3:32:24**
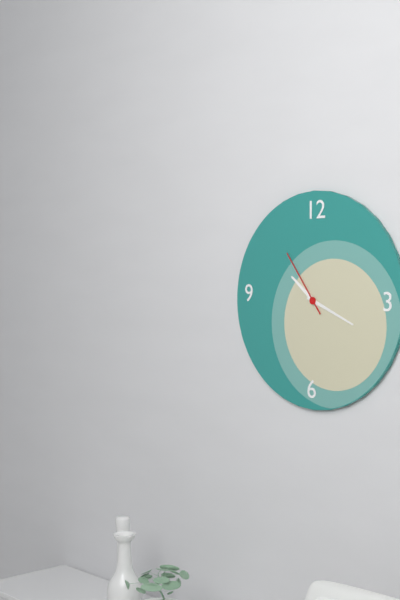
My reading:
**10:19:54**
